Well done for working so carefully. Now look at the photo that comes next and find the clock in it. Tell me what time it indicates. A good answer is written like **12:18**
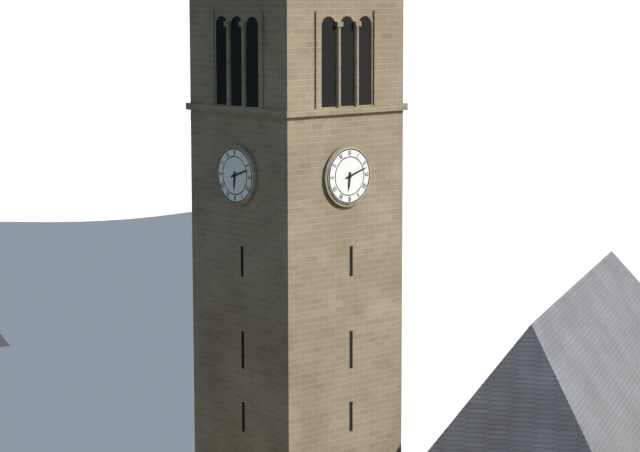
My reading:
**6:12**
